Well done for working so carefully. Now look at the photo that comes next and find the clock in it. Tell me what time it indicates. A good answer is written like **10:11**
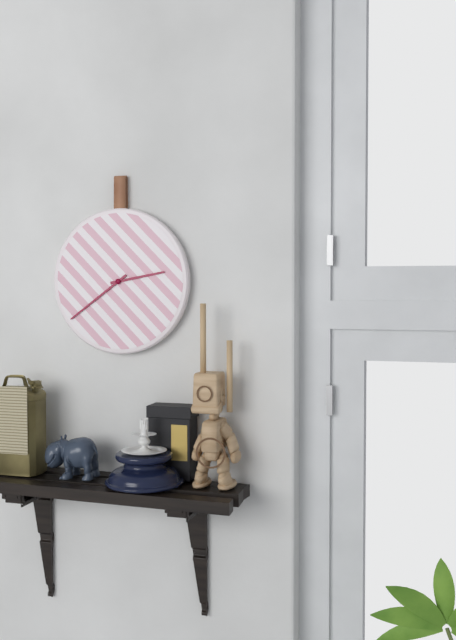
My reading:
**2:39**
